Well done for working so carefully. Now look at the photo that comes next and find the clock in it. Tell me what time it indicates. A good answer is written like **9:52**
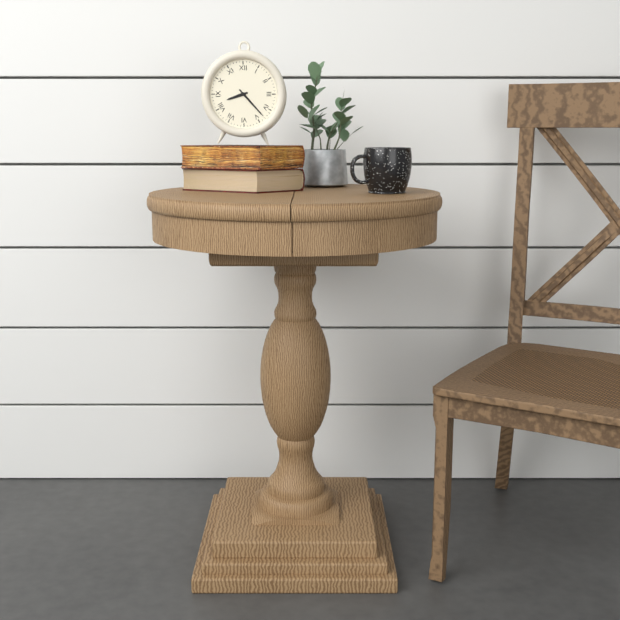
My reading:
**8:23**
